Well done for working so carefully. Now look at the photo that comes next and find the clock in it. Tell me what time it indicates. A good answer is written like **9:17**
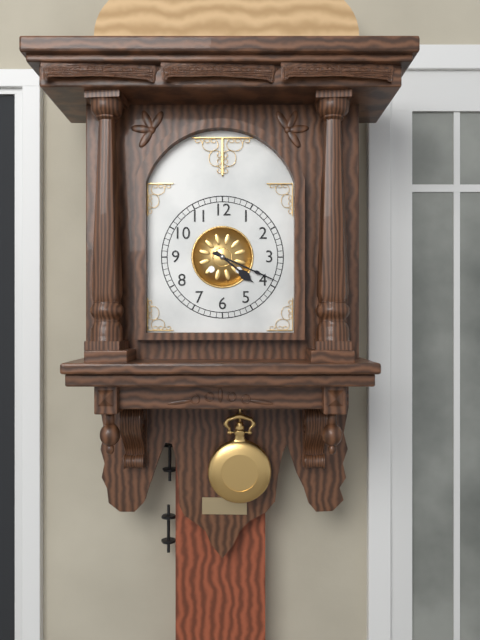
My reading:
**4:19**
